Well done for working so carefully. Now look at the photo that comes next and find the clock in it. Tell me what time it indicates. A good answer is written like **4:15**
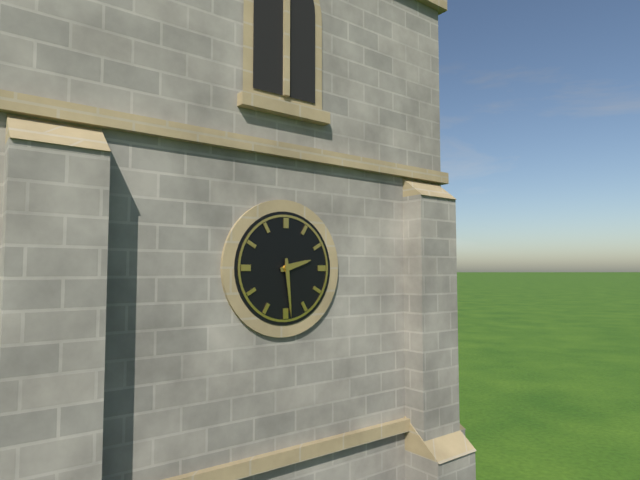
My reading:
**2:29**
